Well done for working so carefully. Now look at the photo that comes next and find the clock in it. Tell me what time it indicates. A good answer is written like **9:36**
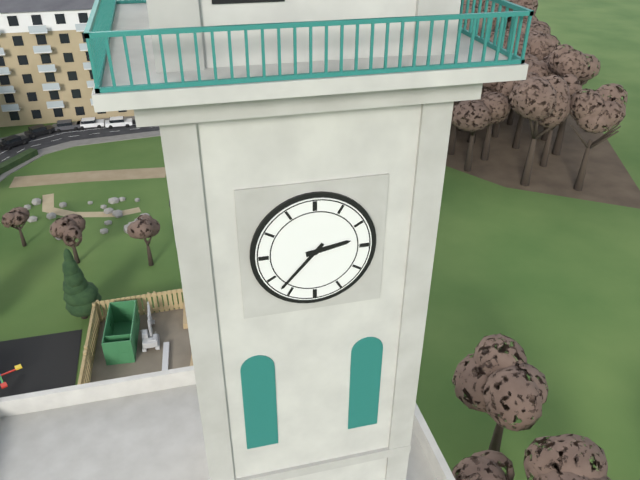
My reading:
**2:37**
